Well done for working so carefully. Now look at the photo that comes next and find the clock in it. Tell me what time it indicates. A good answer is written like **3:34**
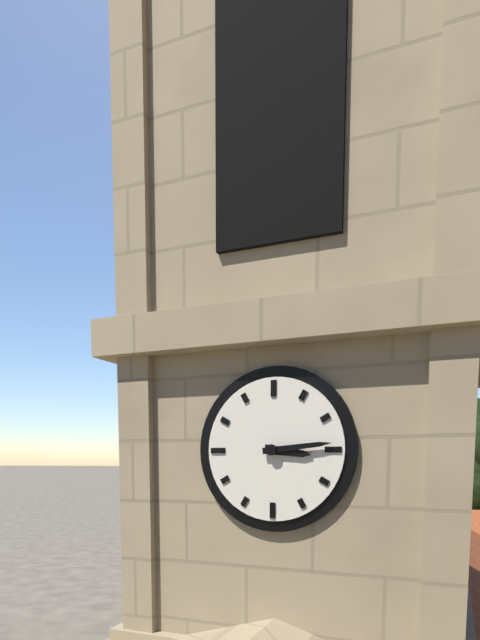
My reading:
**3:14**
